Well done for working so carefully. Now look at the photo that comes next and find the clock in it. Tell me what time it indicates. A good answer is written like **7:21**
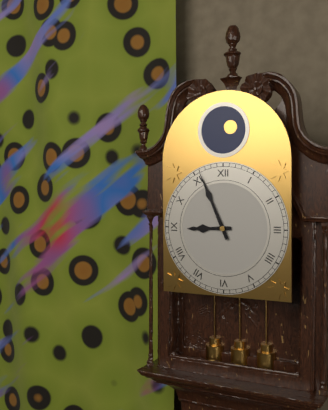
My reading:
**8:56**
